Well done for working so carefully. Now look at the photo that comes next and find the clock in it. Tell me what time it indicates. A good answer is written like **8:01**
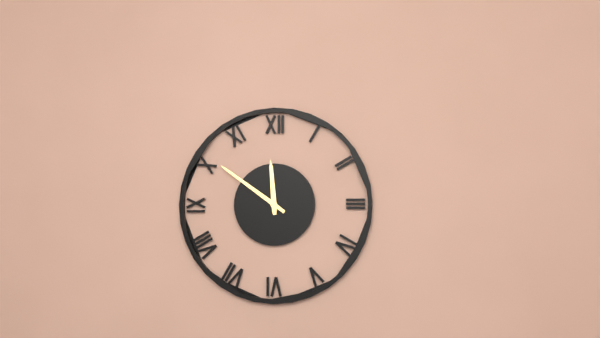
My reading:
**11:51**
